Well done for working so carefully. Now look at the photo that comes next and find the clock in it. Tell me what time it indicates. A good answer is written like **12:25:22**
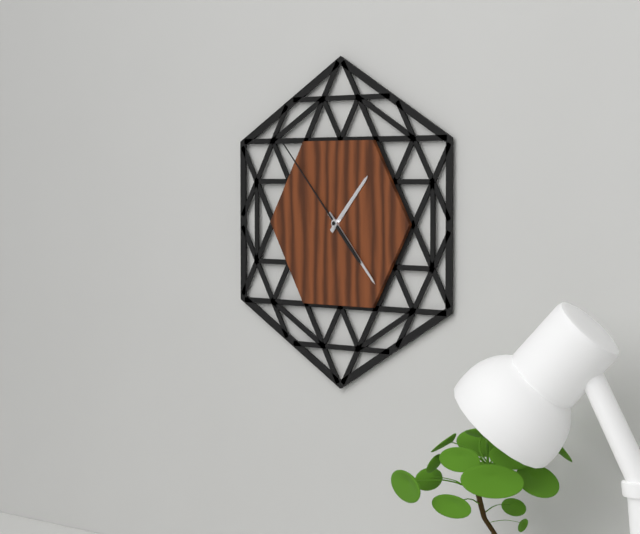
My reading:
**1:23:53**
